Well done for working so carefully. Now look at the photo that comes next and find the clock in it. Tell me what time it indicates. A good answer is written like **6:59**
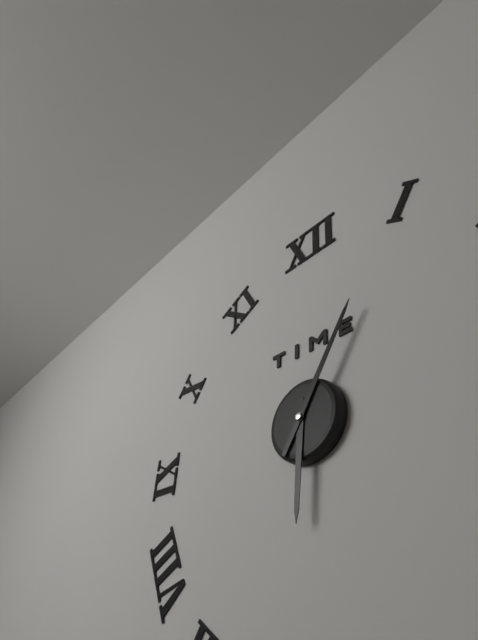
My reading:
**6:05**
